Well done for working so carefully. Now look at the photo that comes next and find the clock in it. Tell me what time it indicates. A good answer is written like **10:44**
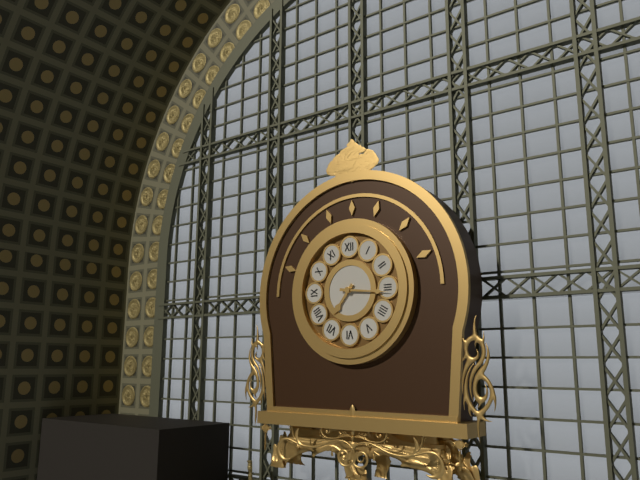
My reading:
**7:16**
